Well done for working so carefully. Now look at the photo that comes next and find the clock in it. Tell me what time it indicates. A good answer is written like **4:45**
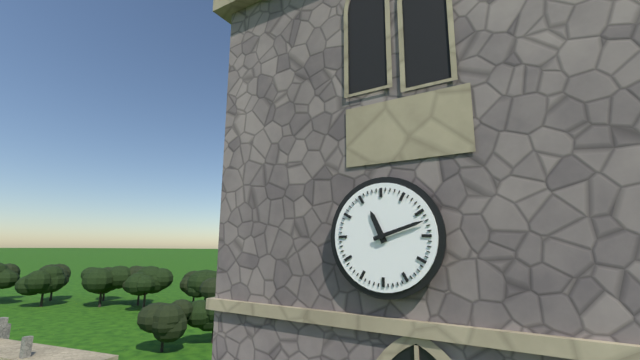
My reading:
**11:12**
